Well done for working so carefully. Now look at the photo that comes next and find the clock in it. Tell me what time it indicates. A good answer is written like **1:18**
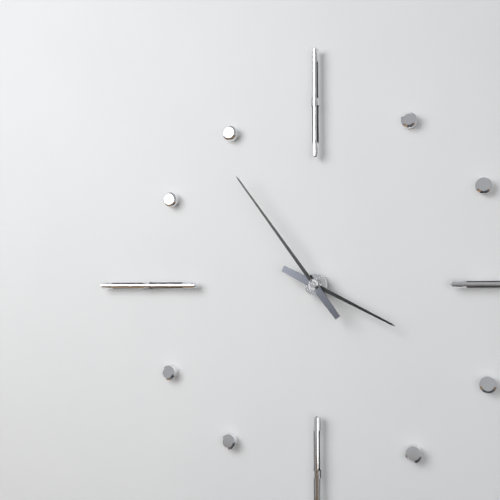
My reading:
**3:54**
